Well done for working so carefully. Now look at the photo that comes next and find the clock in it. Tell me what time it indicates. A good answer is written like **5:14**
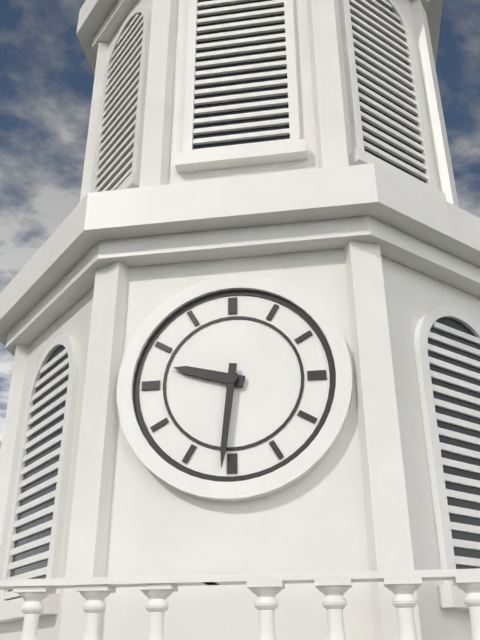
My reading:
**9:31**
